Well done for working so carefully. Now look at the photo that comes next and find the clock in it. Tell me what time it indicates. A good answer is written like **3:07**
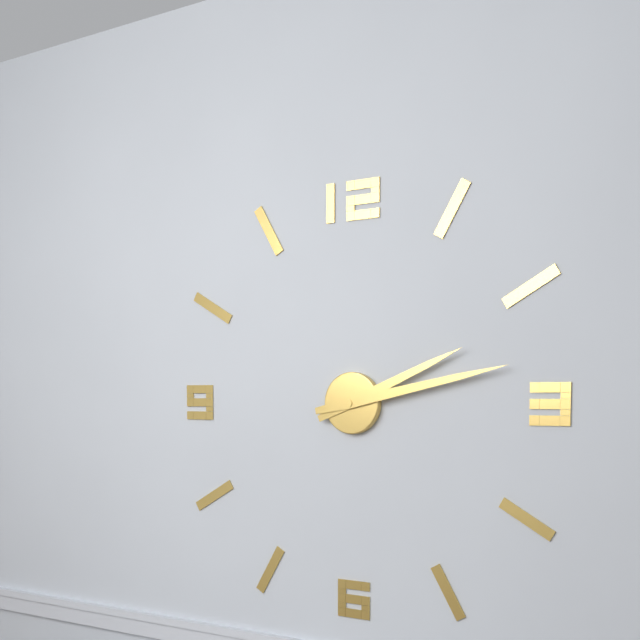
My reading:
**2:13**
